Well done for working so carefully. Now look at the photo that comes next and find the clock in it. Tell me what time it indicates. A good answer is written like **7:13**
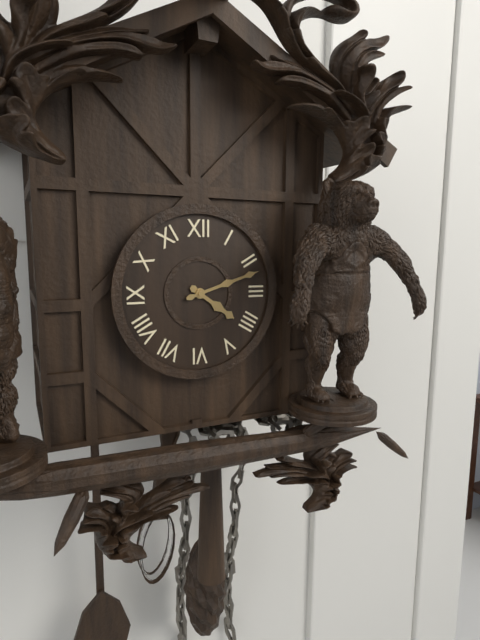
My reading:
**4:12**
